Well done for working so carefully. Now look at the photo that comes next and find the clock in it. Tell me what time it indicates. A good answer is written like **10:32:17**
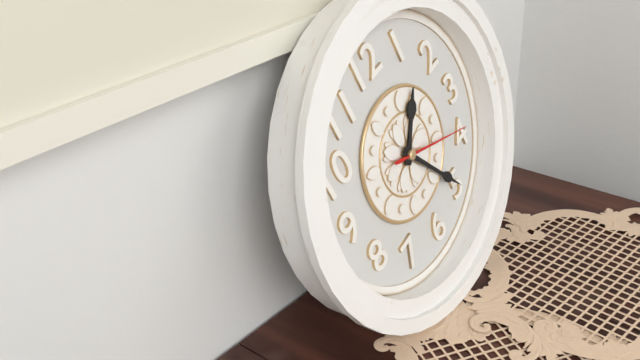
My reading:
**1:25:19**
